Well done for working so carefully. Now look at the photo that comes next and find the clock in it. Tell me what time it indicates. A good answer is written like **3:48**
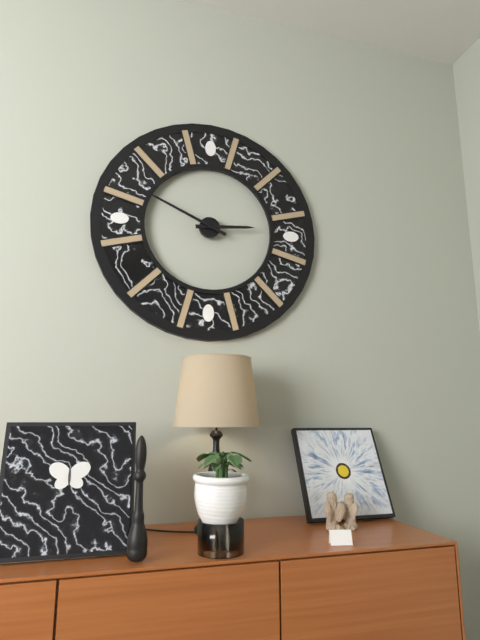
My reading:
**2:49**
